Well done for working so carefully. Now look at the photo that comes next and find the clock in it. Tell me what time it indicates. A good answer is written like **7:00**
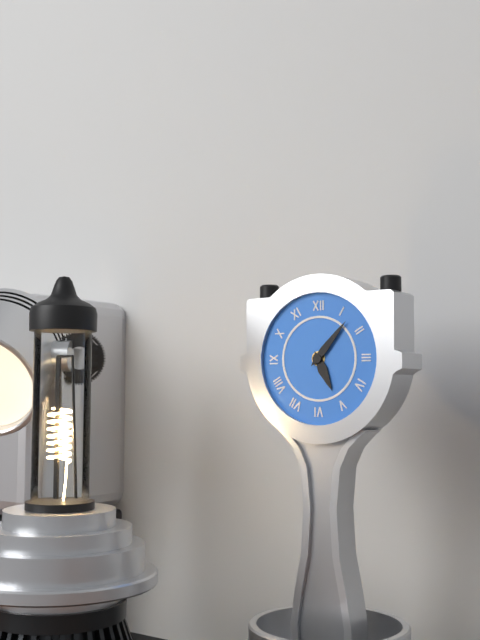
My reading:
**5:07**
